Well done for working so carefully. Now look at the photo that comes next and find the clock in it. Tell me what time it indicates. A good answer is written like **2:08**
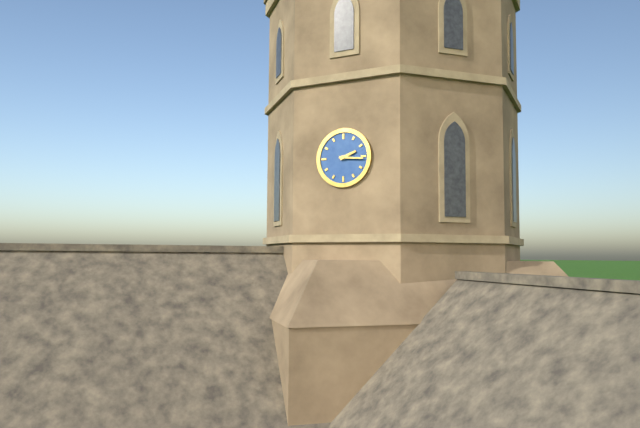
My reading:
**2:16**
